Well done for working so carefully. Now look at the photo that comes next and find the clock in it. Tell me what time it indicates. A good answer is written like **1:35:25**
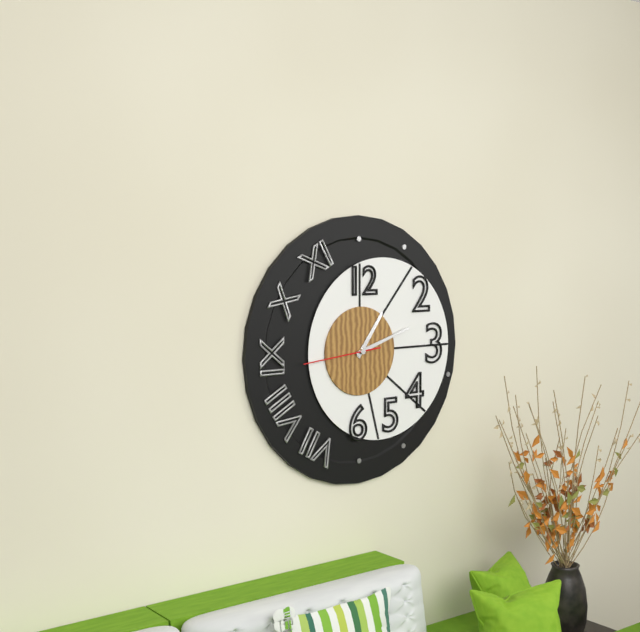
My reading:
**1:12:44**
